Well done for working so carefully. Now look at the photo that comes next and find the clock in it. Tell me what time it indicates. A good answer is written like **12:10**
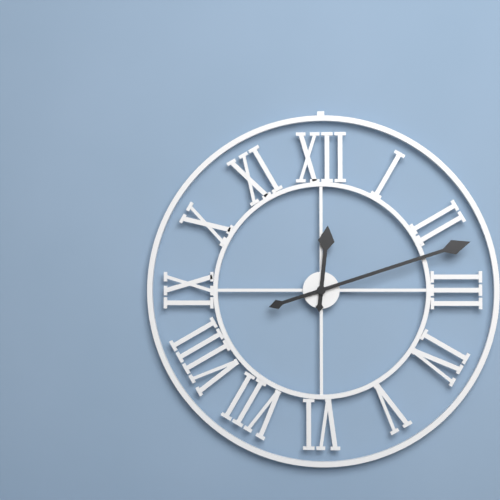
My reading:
**12:12**
